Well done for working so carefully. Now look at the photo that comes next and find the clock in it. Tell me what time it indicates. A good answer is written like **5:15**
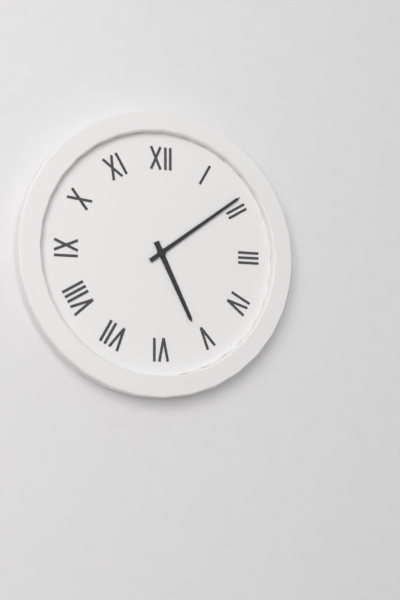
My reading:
**5:09**
